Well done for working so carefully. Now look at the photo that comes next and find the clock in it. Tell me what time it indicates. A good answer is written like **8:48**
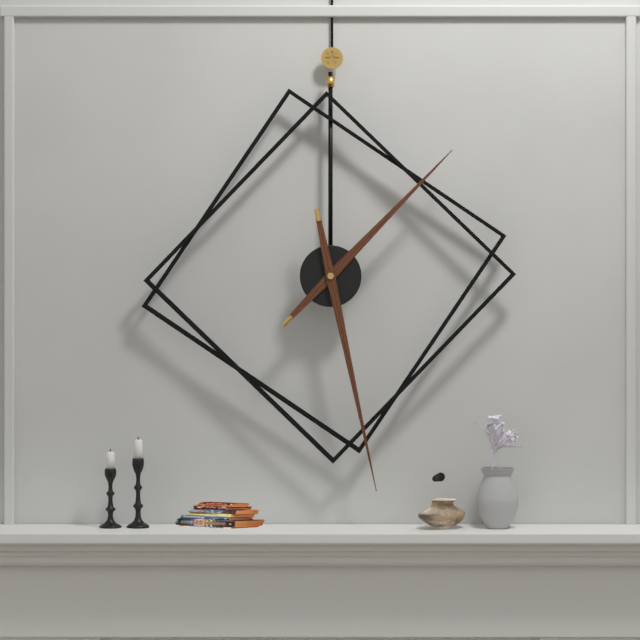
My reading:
**1:28**
